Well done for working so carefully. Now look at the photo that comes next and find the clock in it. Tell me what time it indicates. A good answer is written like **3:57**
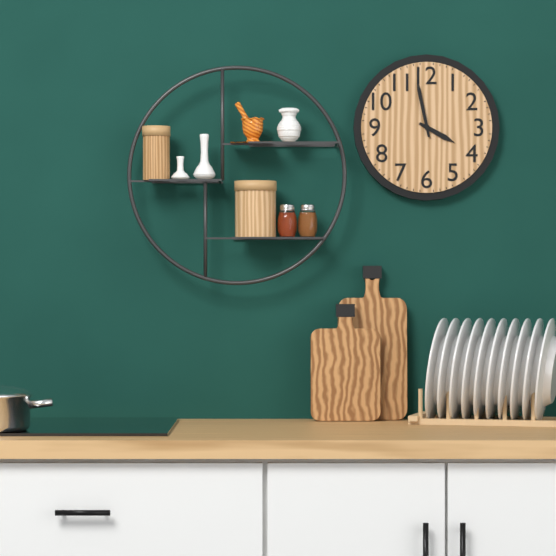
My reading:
**3:58**
